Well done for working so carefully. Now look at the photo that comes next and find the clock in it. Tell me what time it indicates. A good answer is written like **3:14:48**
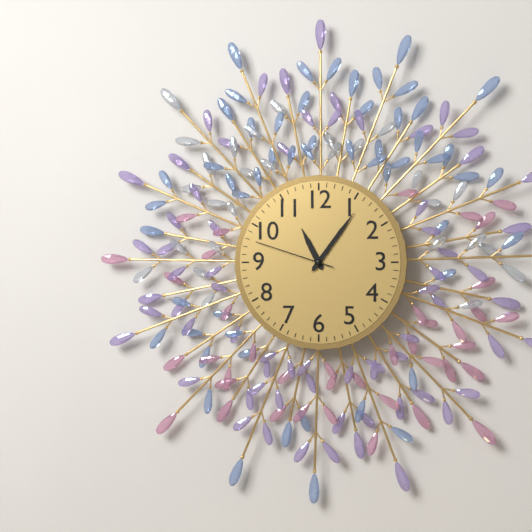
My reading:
**11:06:48**
